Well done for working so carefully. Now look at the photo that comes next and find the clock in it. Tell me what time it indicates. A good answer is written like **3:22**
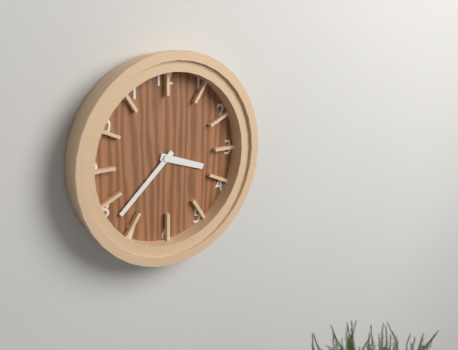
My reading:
**3:38**
